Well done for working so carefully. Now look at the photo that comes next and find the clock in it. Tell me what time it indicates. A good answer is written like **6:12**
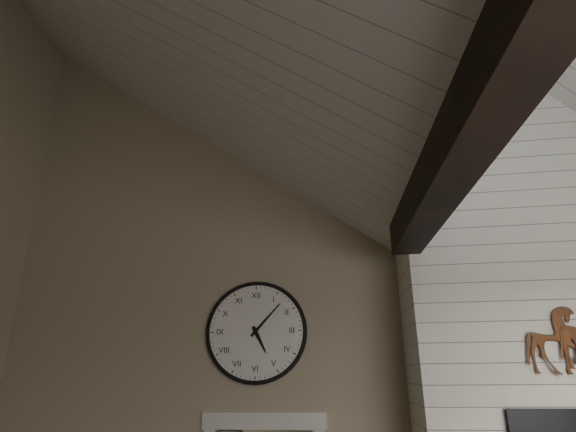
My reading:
**5:07**
